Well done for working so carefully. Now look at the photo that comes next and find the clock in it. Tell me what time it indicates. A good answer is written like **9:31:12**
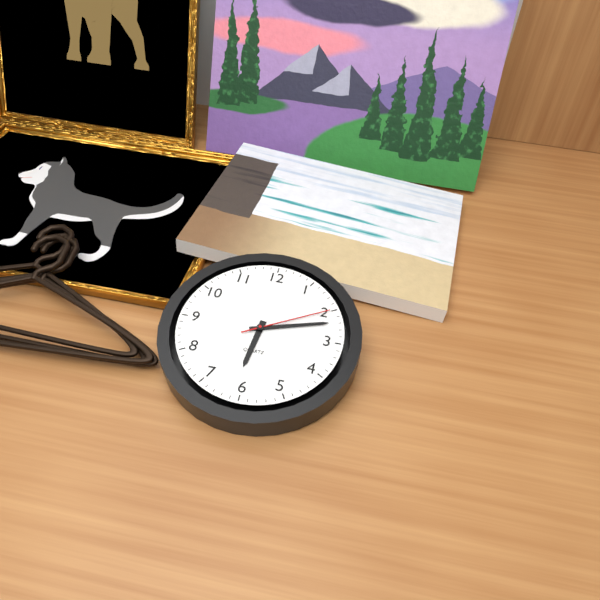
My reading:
**6:12:10**
